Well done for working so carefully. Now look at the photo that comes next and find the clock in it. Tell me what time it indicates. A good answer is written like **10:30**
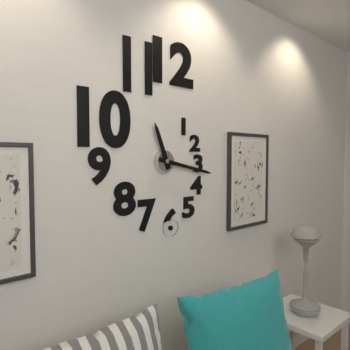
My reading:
**11:17**
